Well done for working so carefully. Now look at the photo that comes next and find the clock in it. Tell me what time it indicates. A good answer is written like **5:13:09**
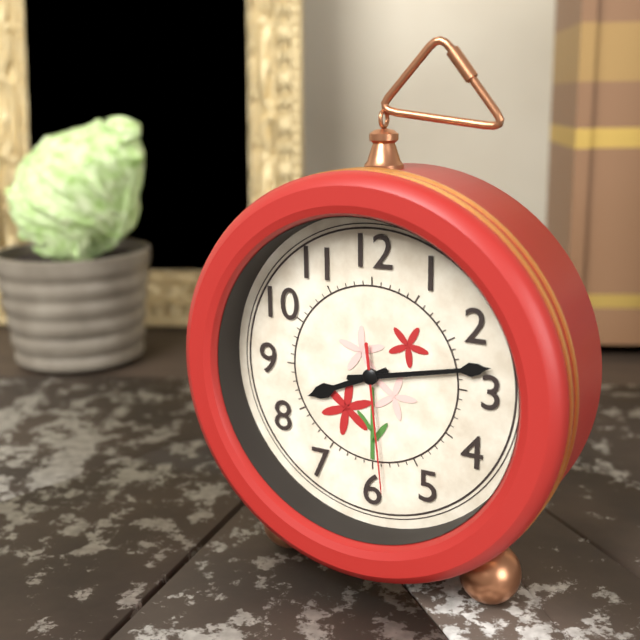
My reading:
**8:13:29**
